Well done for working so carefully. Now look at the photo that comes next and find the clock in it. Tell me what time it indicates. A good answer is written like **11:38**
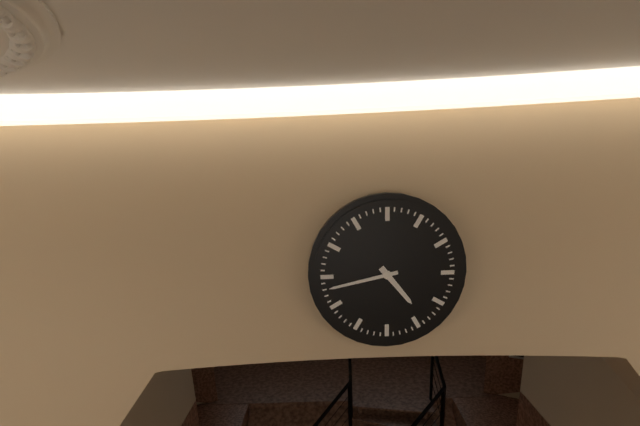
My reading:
**4:43**
